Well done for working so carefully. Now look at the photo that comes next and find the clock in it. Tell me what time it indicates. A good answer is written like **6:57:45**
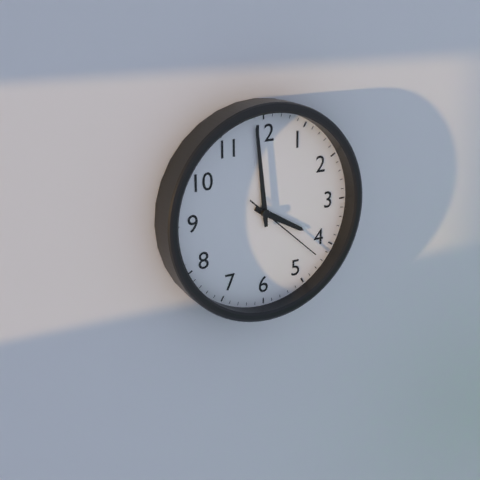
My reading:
**3:59:22**
